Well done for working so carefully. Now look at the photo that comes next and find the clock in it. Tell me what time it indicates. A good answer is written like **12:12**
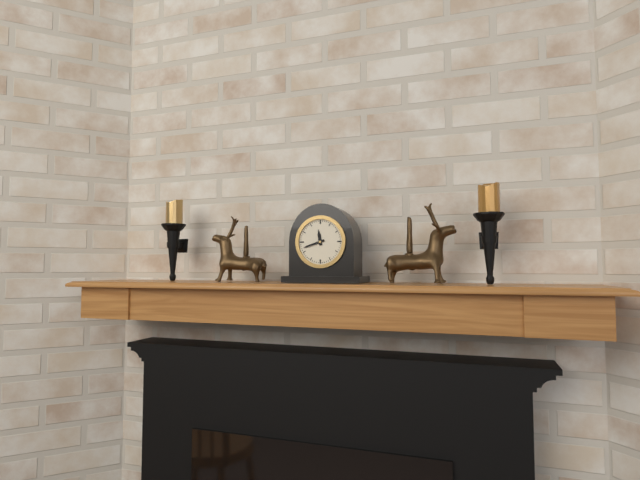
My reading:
**11:42**
